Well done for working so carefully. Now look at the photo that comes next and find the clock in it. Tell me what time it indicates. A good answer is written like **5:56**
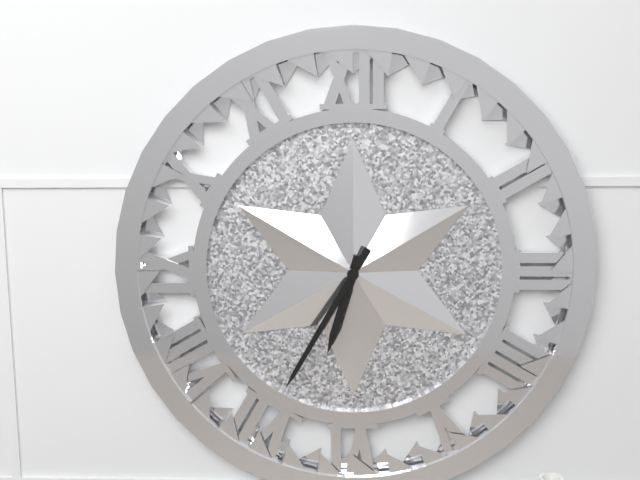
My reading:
**6:35**
